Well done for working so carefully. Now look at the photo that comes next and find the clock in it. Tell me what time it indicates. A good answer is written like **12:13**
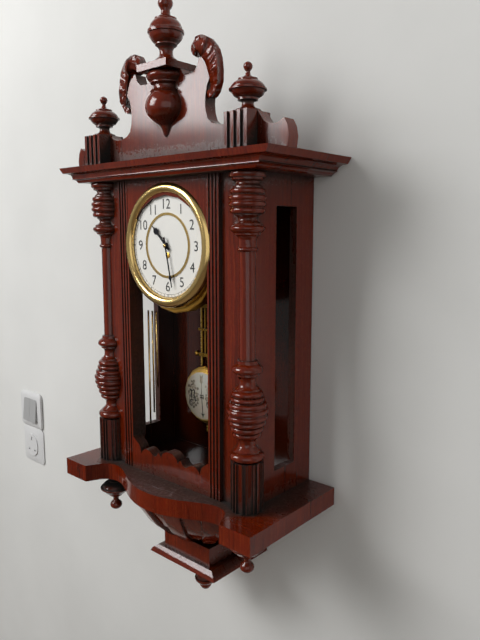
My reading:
**10:28**
